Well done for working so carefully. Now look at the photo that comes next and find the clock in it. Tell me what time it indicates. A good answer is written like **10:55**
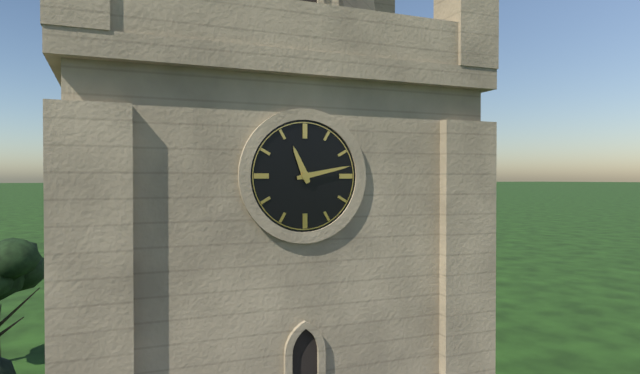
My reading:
**11:13**
